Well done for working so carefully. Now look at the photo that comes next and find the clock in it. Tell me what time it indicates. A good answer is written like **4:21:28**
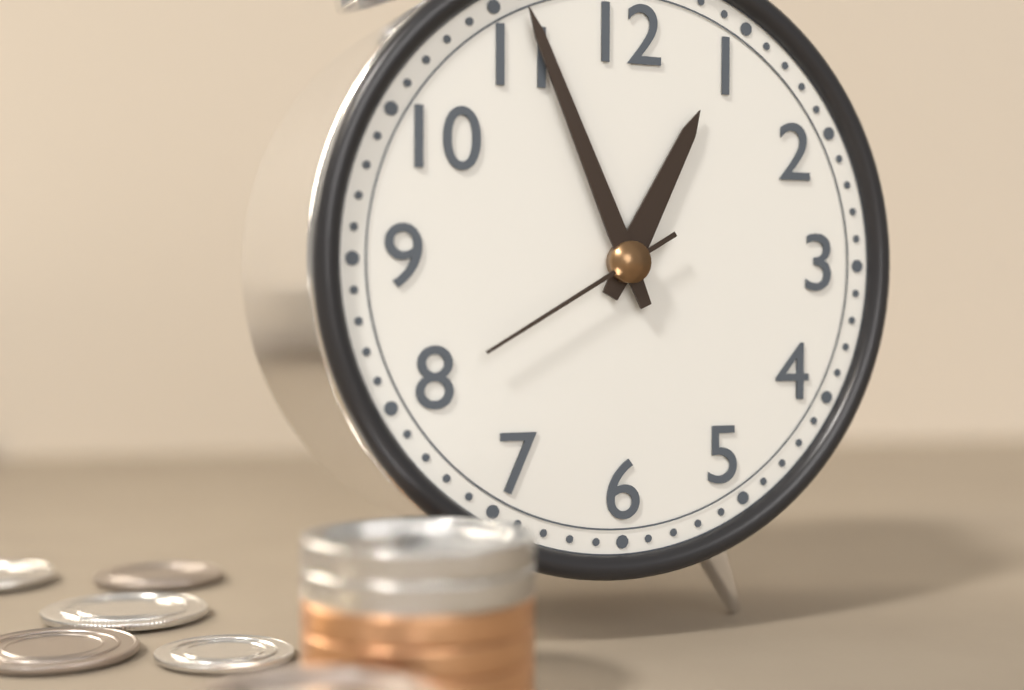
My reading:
**12:56:40**
